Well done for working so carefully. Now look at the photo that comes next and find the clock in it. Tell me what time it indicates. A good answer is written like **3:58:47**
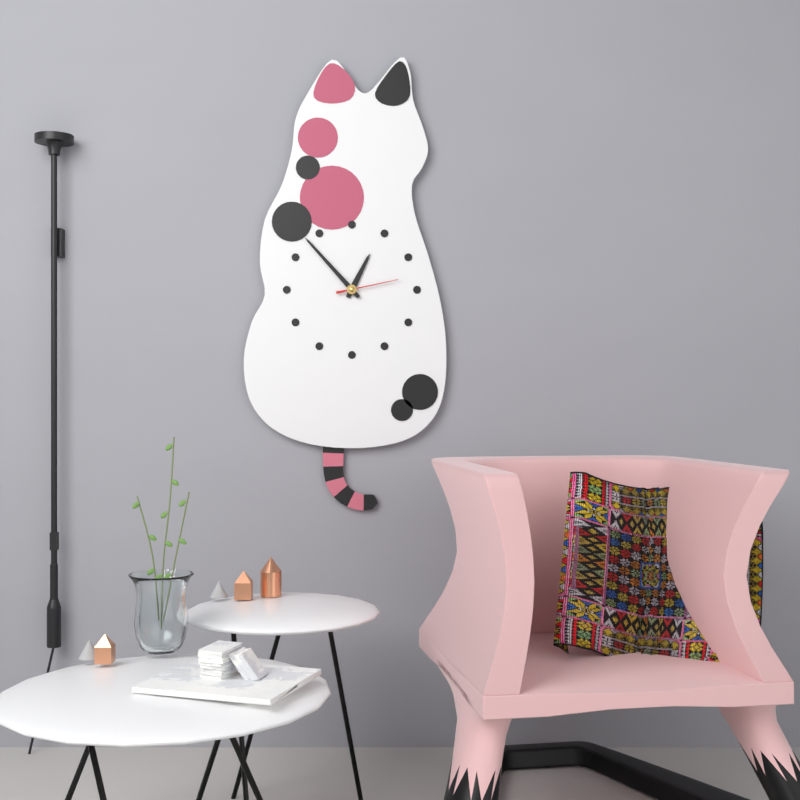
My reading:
**12:53:13**
